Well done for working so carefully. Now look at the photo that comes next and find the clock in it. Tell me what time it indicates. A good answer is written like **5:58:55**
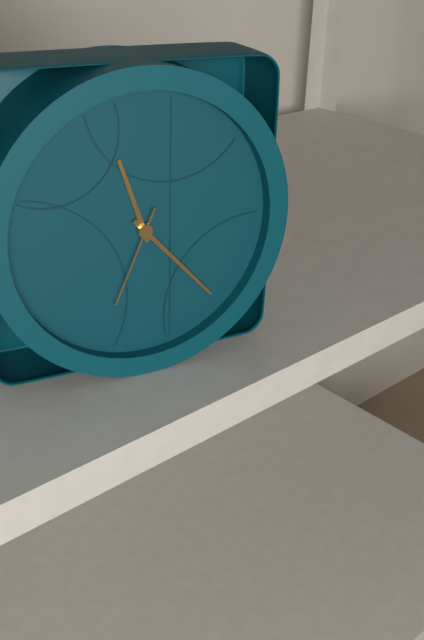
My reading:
**11:23:34**
